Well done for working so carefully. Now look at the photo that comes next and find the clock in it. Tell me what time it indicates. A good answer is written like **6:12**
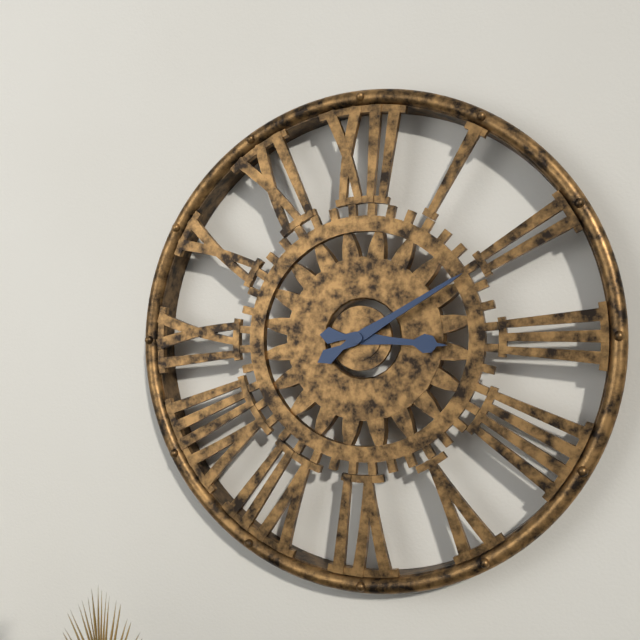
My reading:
**3:10**
